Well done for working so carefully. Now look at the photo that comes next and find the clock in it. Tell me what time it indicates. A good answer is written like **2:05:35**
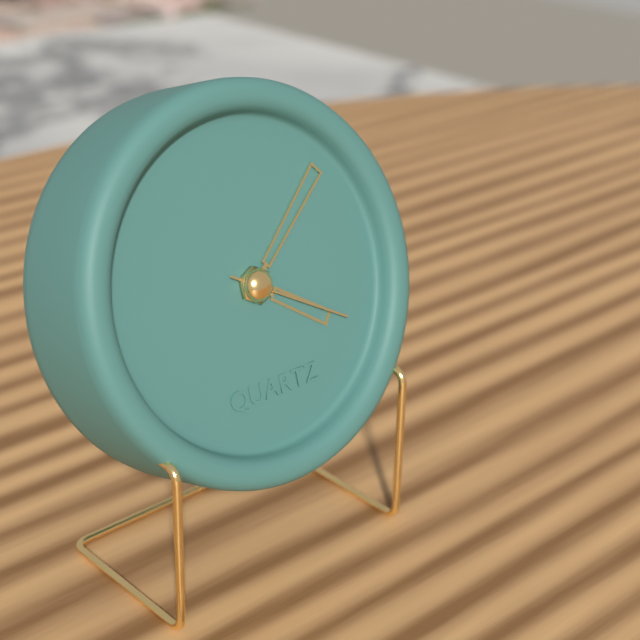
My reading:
**4:08:20**
